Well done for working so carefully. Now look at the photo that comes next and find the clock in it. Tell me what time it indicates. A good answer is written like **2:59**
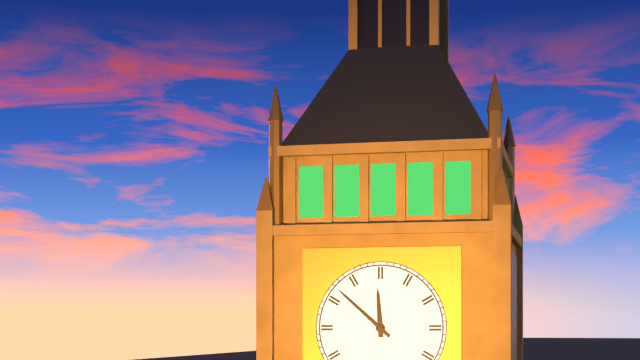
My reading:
**11:52**
